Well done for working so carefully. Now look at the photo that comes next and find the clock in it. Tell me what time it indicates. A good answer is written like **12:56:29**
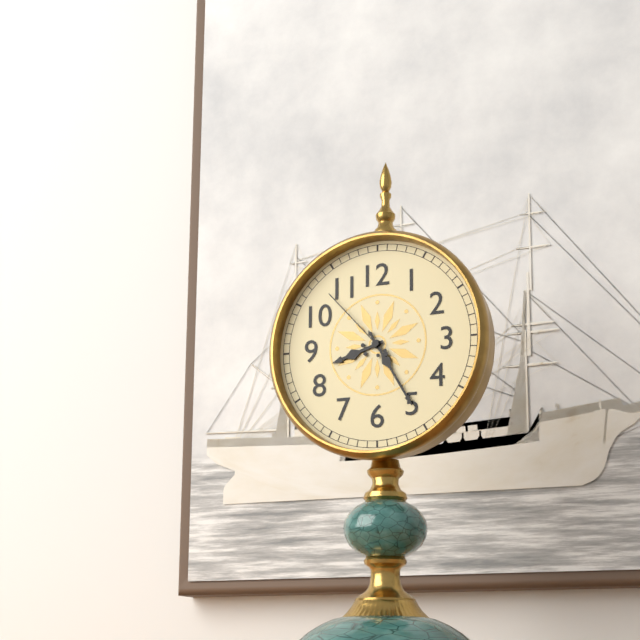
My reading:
**8:25:53**
